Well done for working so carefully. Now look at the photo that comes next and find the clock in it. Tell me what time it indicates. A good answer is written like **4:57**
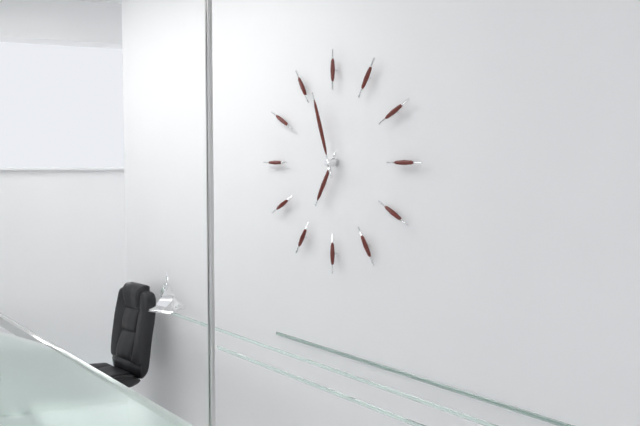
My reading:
**6:57**
